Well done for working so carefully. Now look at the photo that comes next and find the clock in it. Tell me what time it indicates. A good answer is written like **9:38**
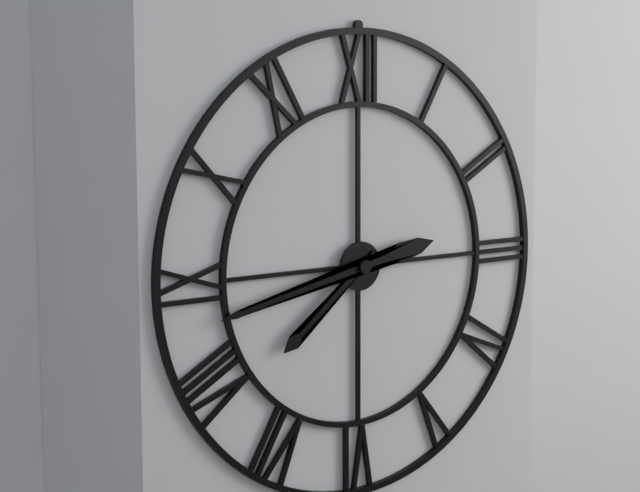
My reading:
**7:43**
